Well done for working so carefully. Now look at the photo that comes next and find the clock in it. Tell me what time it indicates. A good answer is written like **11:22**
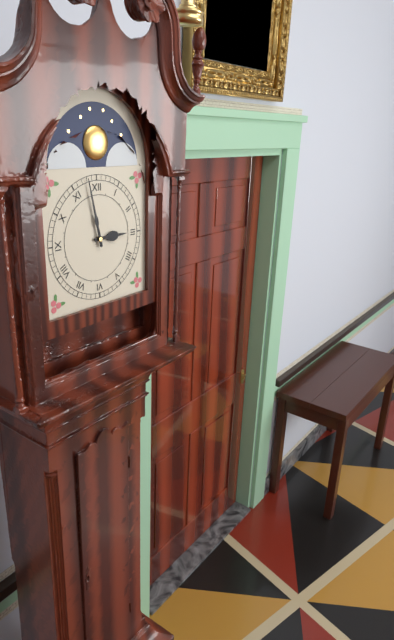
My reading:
**2:58**
